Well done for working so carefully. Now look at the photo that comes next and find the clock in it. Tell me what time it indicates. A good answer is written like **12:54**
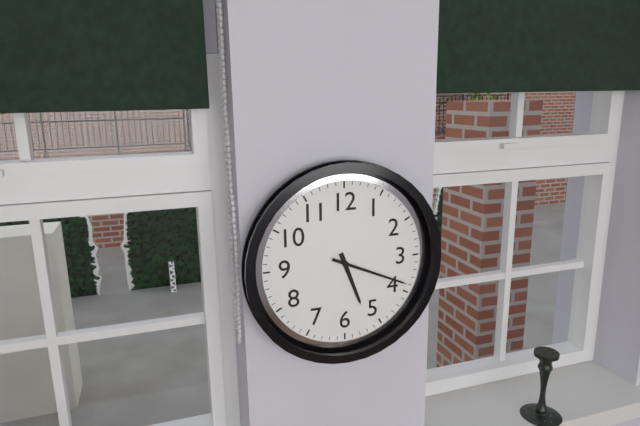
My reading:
**5:19**
